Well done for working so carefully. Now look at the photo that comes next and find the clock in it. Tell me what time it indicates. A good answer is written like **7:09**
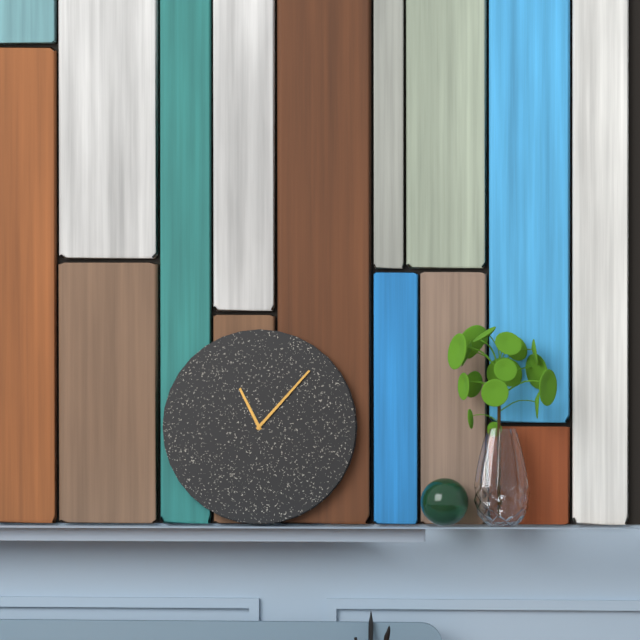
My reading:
**11:07**
